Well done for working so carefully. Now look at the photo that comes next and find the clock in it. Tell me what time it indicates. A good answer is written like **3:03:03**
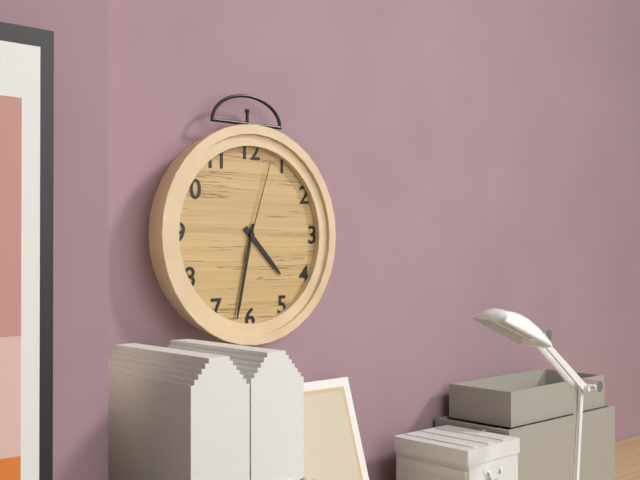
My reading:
**4:32:03**
